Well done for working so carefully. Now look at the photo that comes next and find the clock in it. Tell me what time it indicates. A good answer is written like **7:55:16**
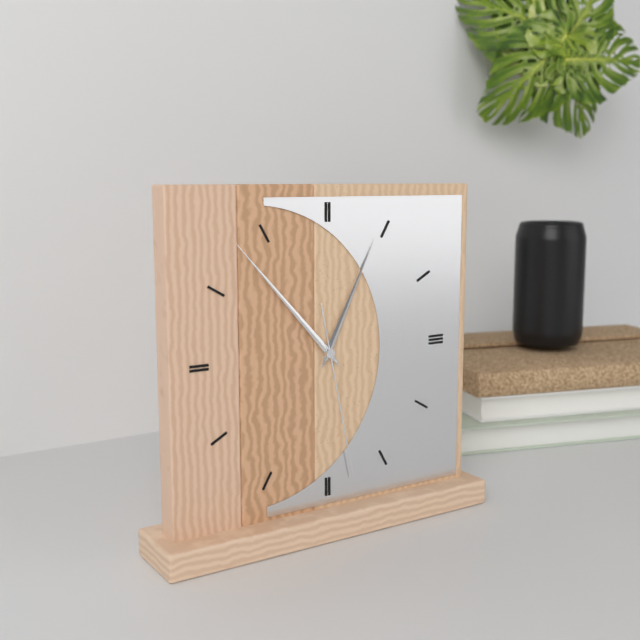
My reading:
**12:53:28**
